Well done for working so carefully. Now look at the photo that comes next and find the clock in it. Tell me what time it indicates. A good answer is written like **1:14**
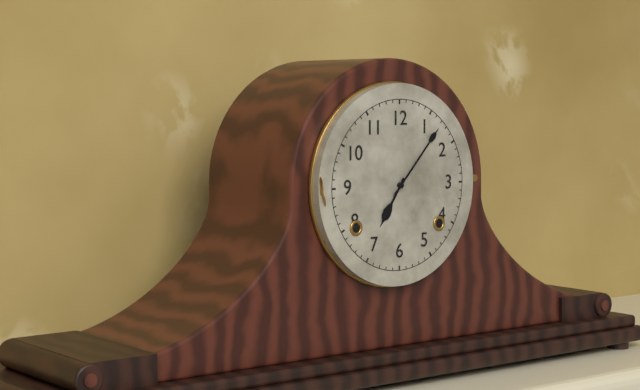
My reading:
**7:07**
